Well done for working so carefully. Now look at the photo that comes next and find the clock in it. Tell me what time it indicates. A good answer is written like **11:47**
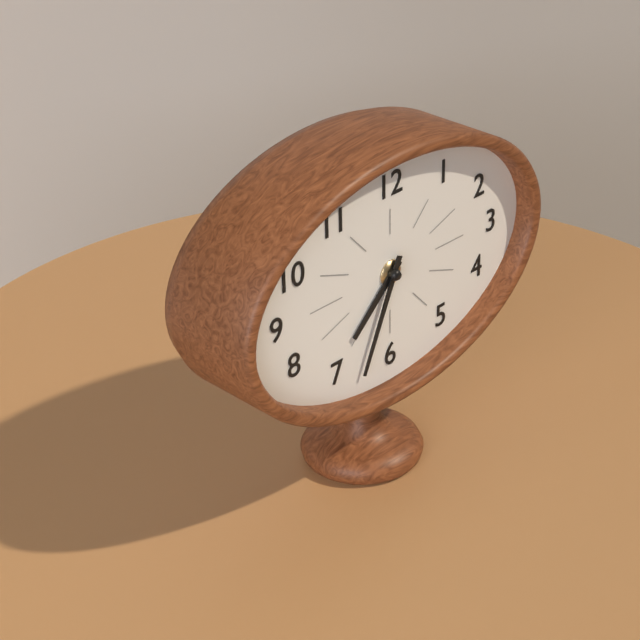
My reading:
**7:34**
